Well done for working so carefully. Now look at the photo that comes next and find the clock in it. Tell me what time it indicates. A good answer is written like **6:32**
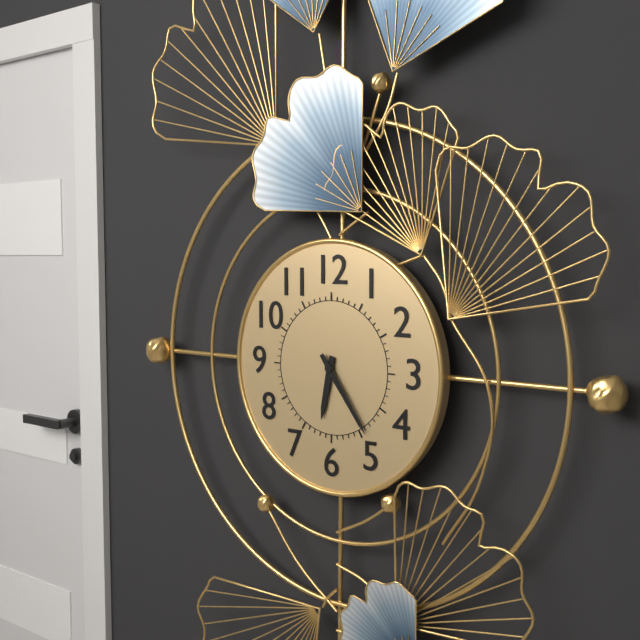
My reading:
**6:24**
